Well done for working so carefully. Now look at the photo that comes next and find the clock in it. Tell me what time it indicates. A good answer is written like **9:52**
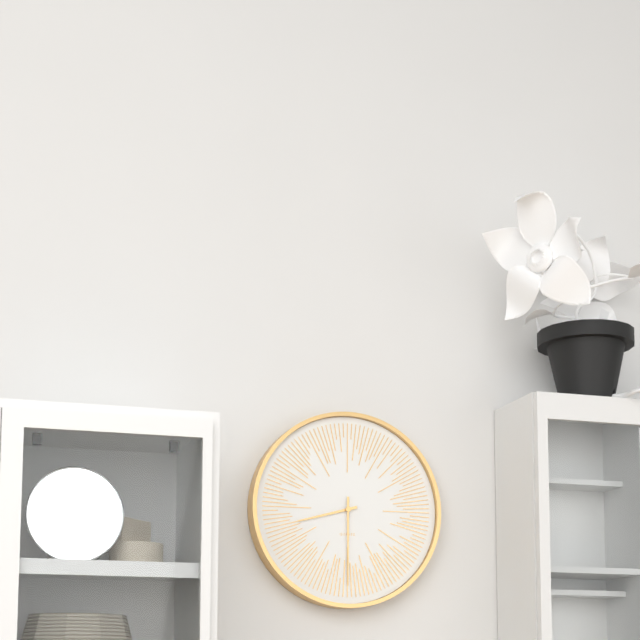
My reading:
**8:30**
